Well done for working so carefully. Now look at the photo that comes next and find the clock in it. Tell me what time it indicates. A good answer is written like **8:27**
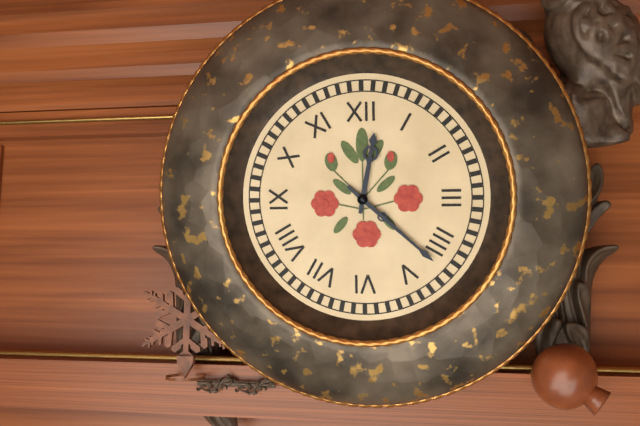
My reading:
**12:22**
